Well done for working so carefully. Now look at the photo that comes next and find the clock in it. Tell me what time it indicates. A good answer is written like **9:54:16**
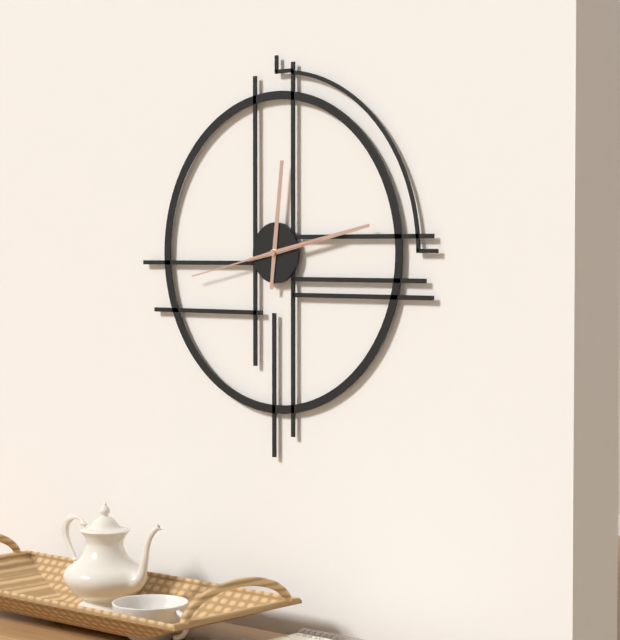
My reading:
**12:13:43**
